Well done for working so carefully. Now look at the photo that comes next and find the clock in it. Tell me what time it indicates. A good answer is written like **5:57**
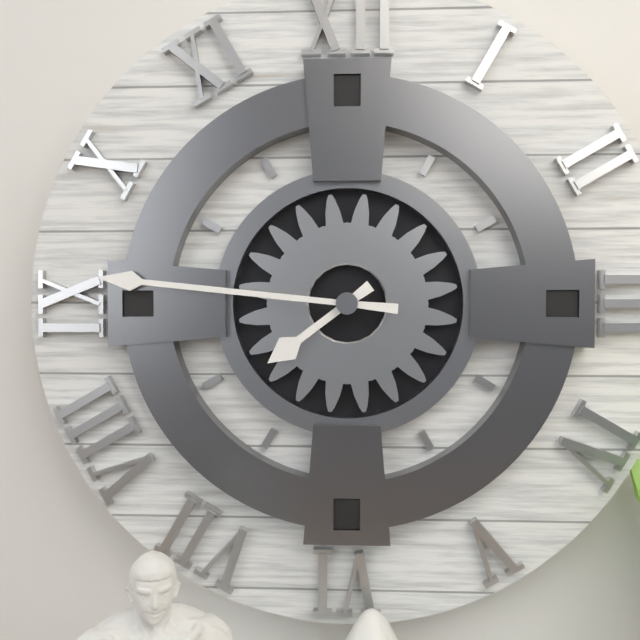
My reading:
**7:46**
